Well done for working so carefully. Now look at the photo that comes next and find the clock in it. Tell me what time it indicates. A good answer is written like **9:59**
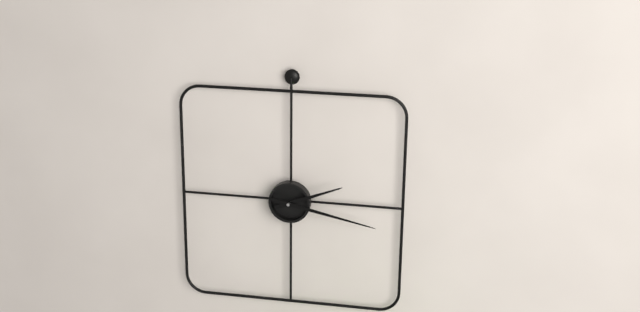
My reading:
**2:17**
